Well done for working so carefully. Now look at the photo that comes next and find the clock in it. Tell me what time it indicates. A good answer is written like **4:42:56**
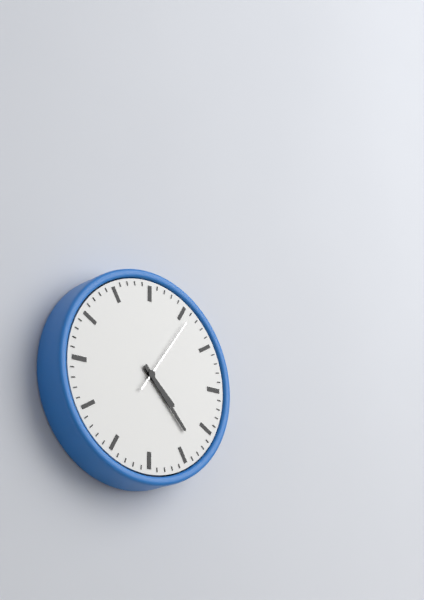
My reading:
**4:23:06**
